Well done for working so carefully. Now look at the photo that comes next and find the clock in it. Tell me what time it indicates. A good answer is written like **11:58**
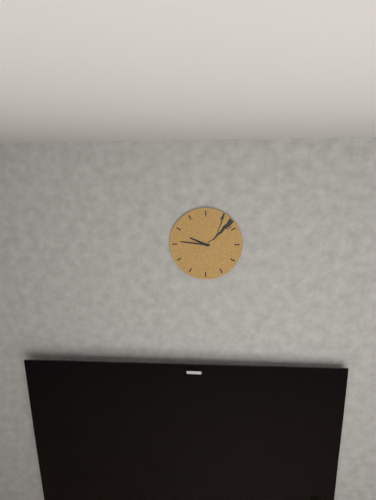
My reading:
**9:46**
